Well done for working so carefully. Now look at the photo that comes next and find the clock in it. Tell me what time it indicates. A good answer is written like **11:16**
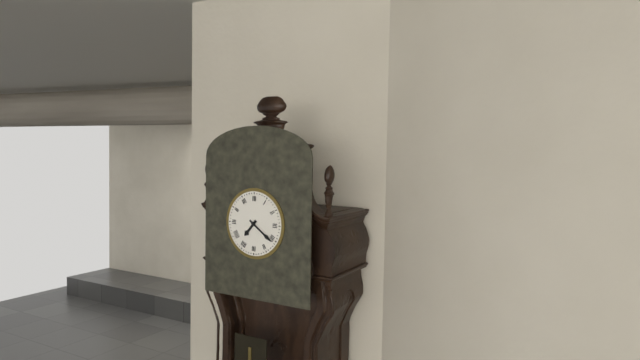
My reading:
**7:21**
